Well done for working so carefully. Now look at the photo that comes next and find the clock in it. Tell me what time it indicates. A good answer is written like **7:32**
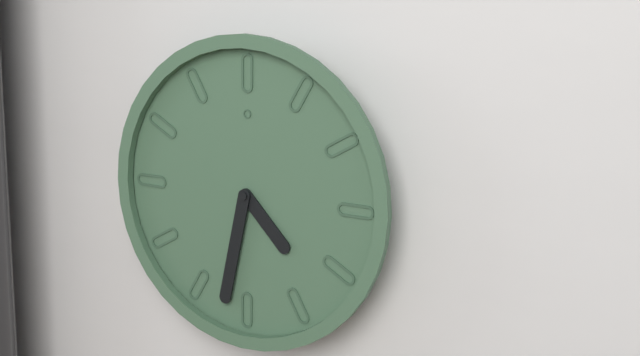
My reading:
**4:32**
